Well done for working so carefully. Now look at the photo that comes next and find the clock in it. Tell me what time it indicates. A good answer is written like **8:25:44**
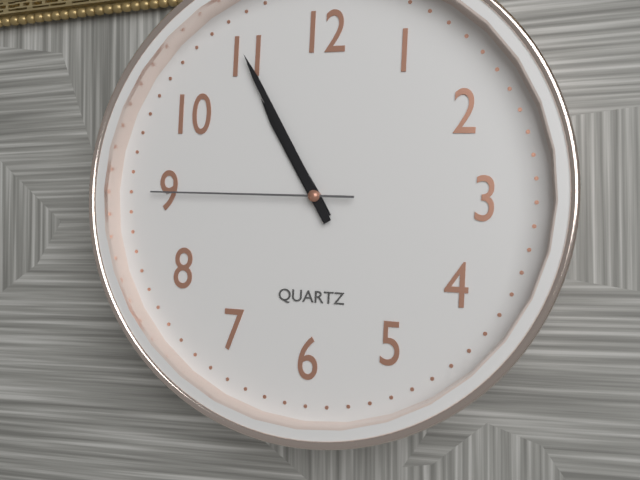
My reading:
**10:55:45**
